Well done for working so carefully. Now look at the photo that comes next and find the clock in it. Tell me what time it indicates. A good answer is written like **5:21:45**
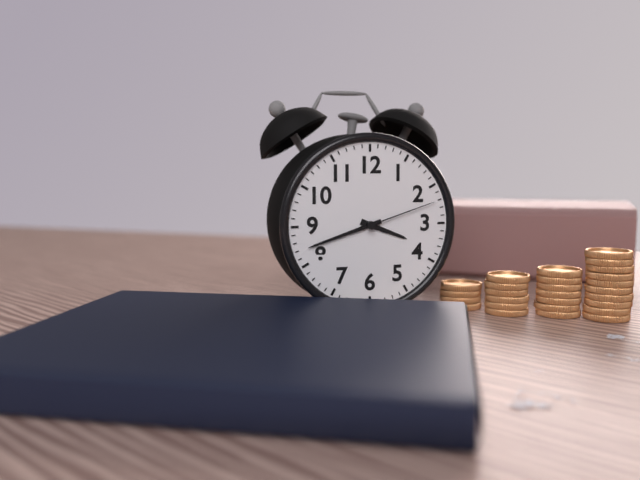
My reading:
**3:42:12**
